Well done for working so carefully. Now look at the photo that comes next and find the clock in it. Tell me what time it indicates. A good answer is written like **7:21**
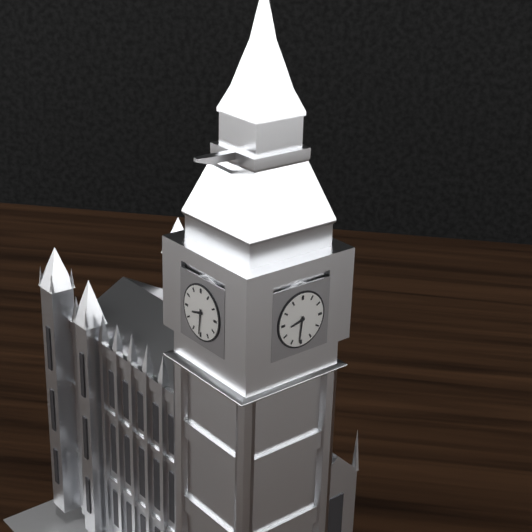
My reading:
**8:31**
